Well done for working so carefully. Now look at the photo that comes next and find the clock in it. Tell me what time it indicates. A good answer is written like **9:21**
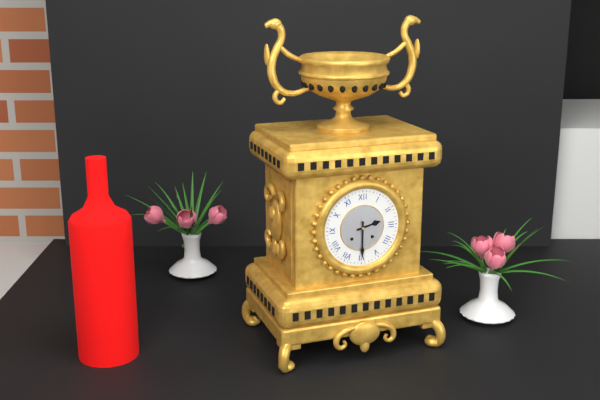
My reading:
**2:30**
